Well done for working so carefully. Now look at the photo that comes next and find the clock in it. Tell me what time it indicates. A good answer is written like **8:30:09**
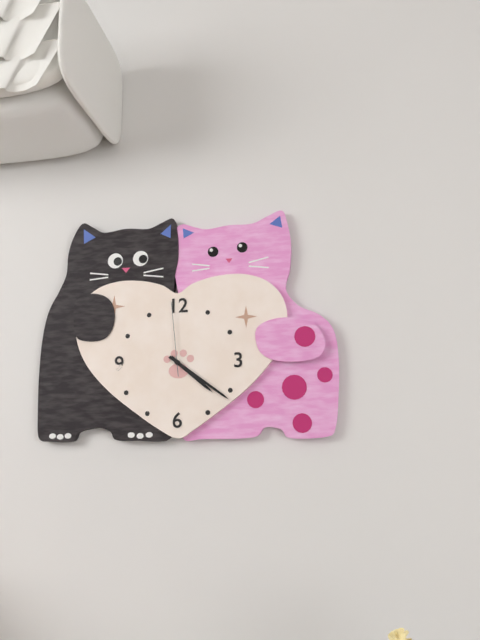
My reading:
**4:21:59**
